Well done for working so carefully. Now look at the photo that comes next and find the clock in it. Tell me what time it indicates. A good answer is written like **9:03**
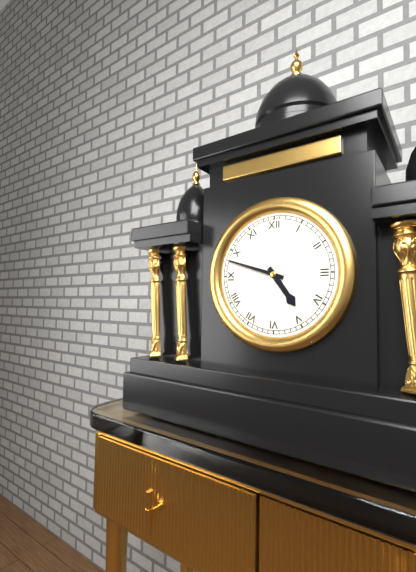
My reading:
**4:48**
